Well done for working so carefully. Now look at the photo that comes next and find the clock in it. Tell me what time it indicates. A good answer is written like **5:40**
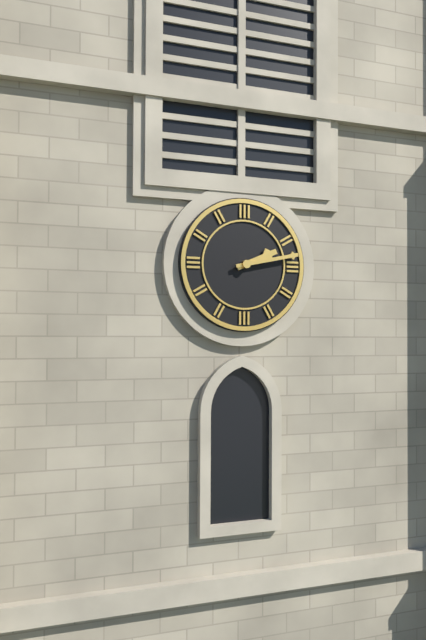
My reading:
**2:13**
